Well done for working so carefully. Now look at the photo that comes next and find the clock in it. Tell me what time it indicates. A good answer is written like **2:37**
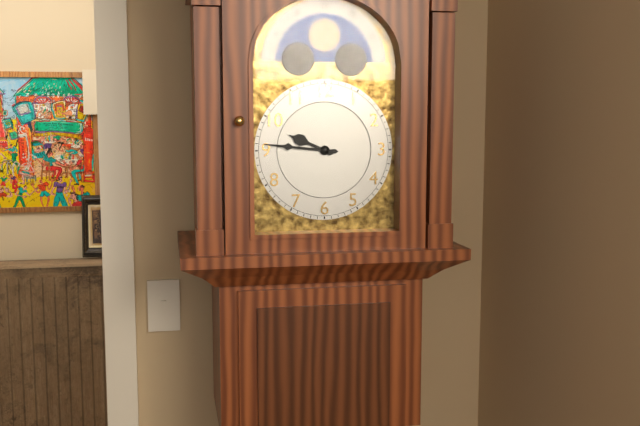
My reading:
**9:46**
